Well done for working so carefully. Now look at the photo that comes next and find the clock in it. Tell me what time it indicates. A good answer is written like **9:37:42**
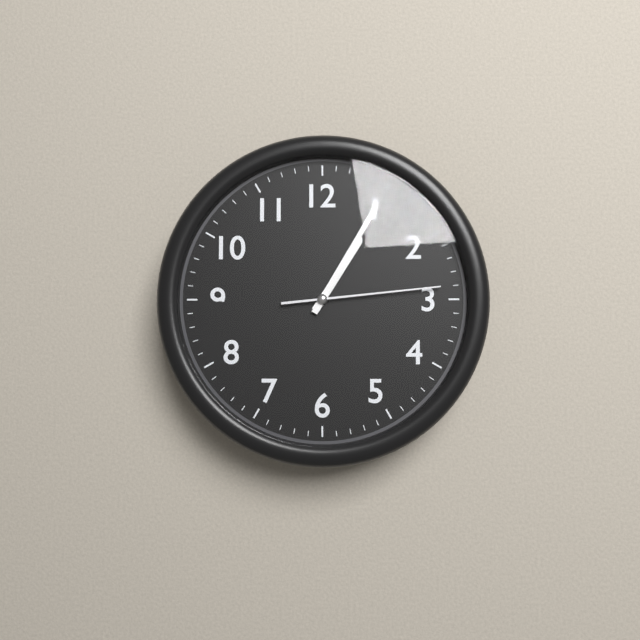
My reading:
**1:05:14**
